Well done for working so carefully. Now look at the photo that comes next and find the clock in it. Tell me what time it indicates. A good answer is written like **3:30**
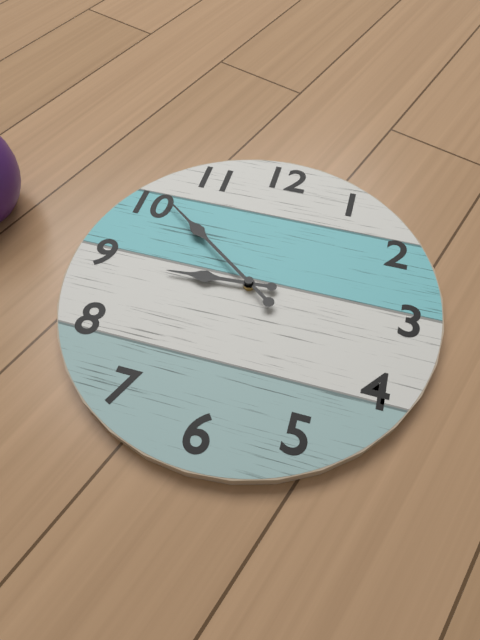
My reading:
**8:51**
